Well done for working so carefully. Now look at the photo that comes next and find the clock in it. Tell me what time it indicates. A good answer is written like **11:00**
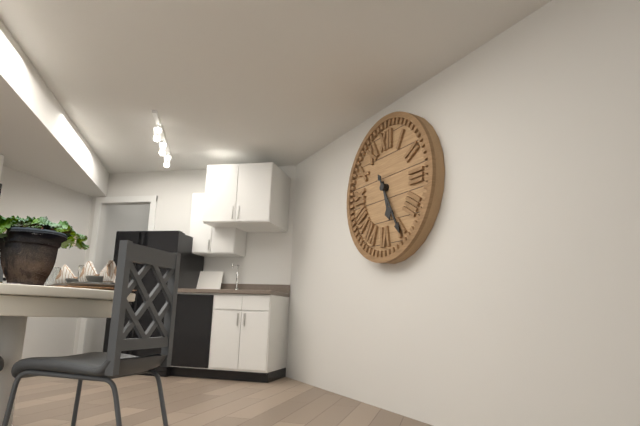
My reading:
**5:25**
